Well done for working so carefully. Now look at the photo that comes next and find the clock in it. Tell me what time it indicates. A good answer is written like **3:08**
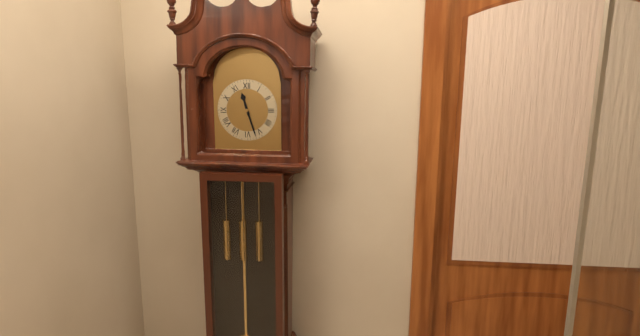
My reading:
**11:27**
